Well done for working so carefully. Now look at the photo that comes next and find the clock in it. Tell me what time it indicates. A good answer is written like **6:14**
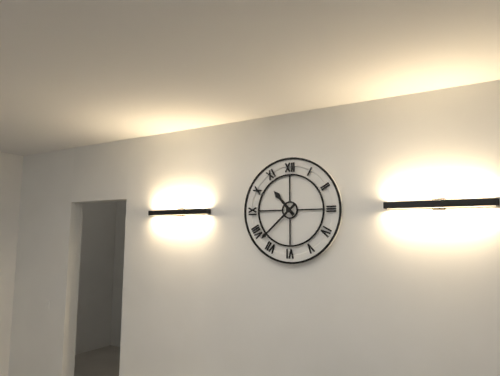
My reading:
**10:38**
